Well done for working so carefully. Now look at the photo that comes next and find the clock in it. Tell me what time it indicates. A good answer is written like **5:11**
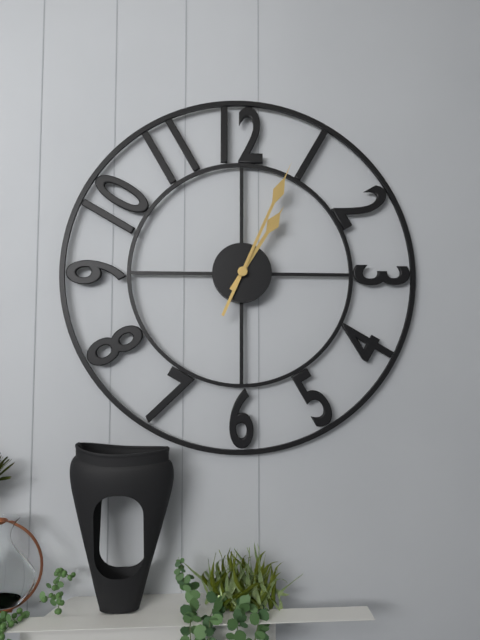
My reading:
**1:04**
